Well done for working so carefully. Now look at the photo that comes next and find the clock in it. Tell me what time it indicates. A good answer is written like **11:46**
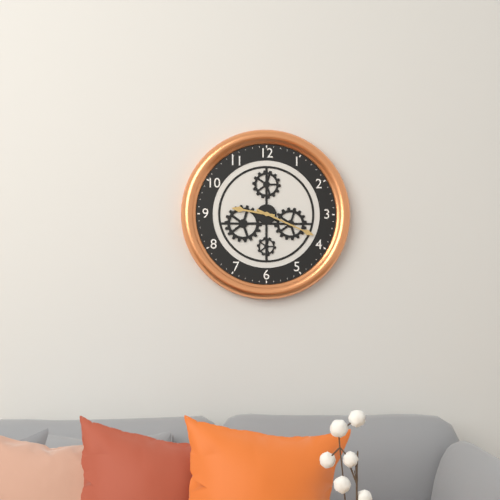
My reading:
**9:19**
